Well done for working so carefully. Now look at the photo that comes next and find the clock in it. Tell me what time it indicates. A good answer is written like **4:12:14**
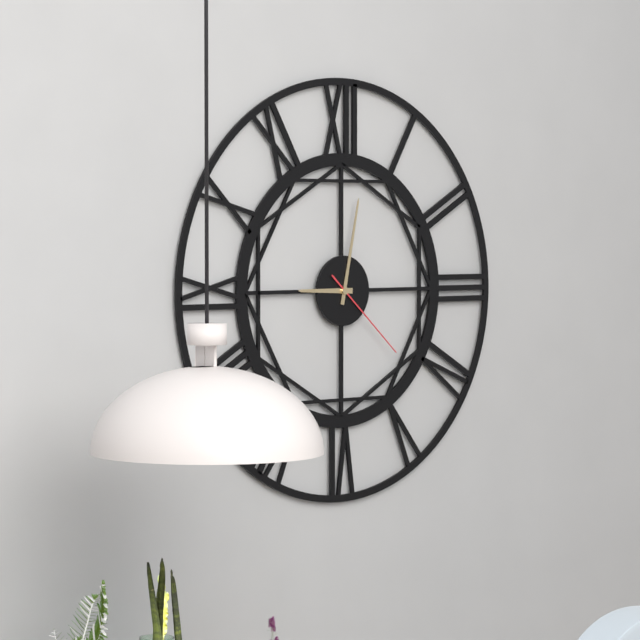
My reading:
**9:02:22**
